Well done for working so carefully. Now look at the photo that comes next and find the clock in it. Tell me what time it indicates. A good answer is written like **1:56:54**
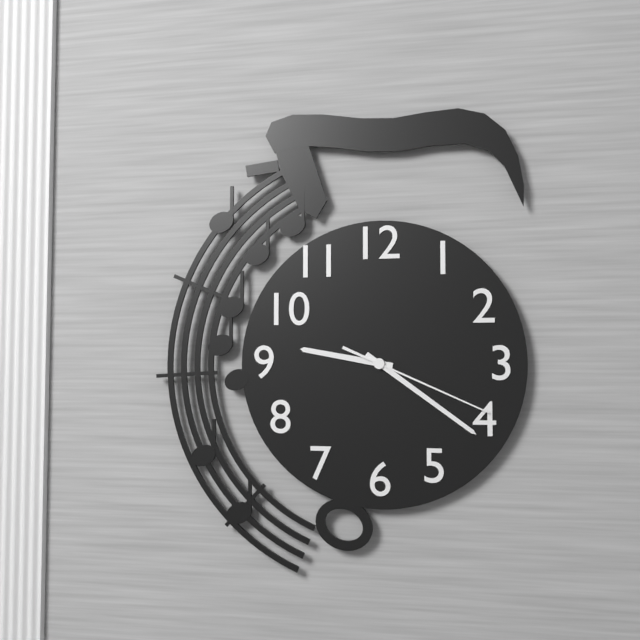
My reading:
**9:21:19**
